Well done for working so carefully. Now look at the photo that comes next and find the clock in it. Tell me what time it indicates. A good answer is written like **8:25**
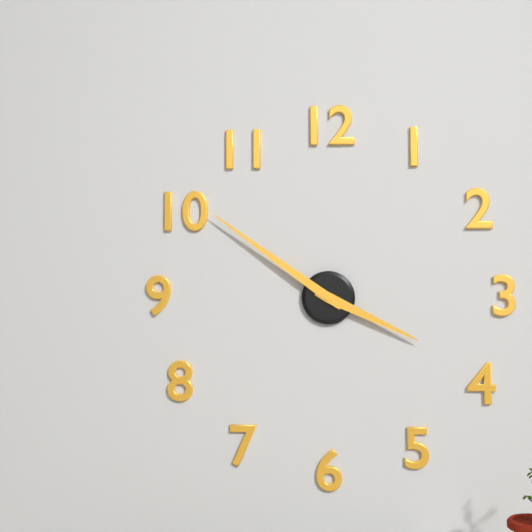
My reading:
**3:51**
